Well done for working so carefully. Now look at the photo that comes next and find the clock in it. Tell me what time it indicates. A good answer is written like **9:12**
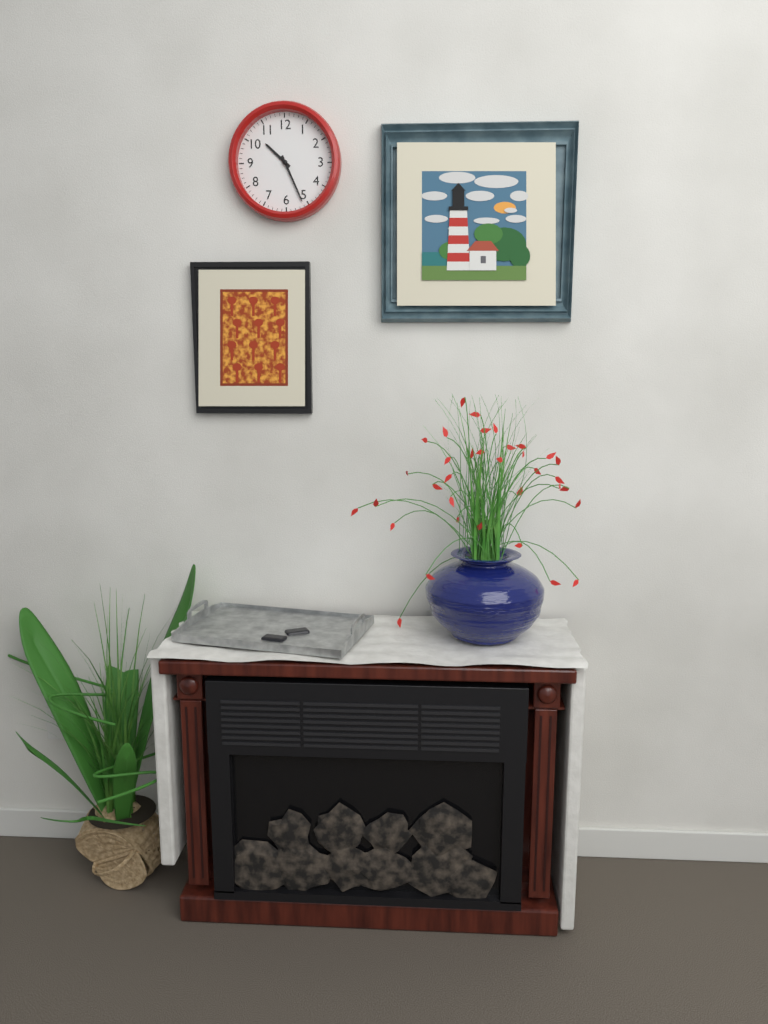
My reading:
**10:26**
